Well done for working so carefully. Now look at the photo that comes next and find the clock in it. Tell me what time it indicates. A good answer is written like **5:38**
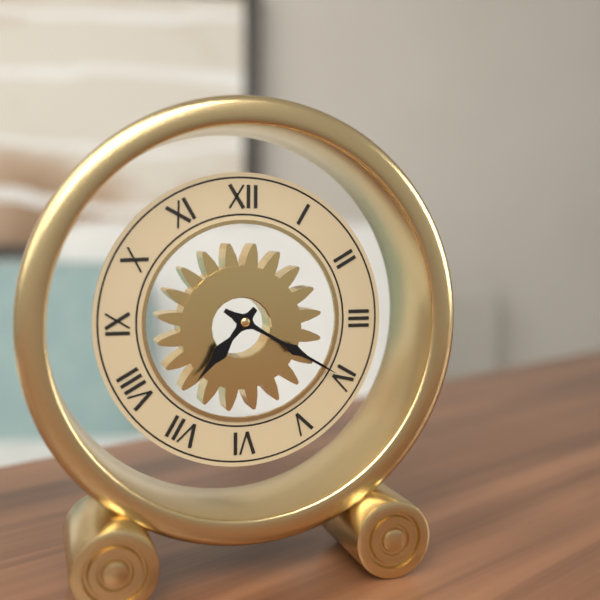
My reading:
**7:20**
